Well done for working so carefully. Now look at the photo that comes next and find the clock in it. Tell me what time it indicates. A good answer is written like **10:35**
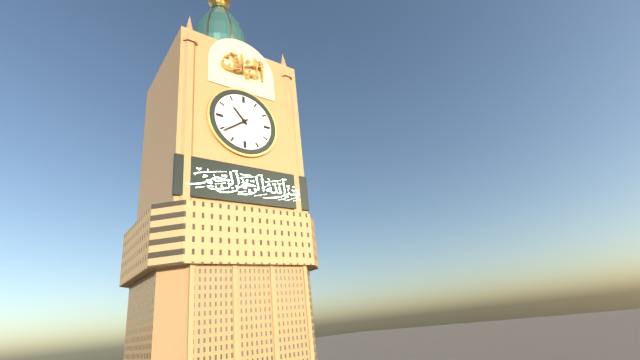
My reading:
**10:39**
